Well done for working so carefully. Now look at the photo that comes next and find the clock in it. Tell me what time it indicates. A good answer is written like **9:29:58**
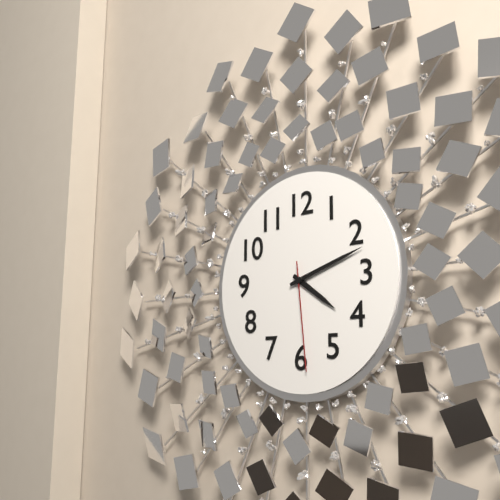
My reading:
**4:12:29**
